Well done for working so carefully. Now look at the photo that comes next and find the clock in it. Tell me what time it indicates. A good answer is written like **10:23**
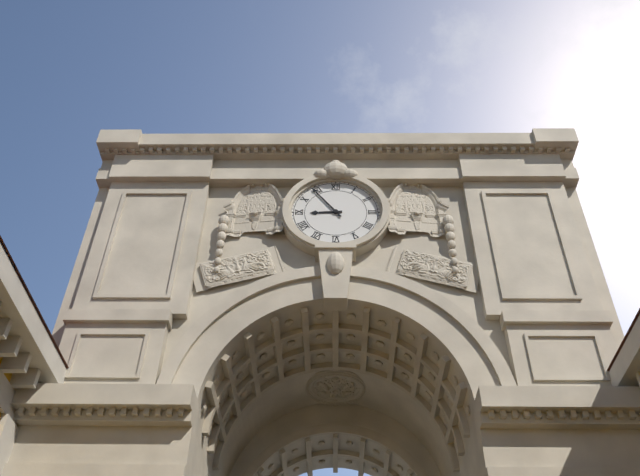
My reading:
**8:54**
